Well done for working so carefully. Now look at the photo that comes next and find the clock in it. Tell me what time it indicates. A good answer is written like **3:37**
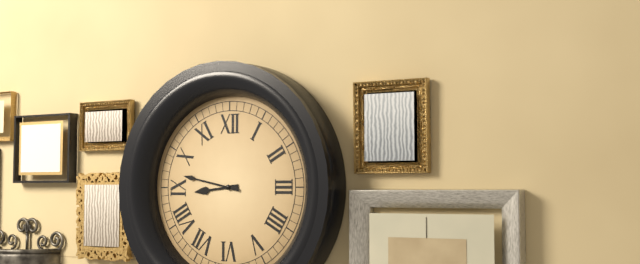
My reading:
**8:47**
